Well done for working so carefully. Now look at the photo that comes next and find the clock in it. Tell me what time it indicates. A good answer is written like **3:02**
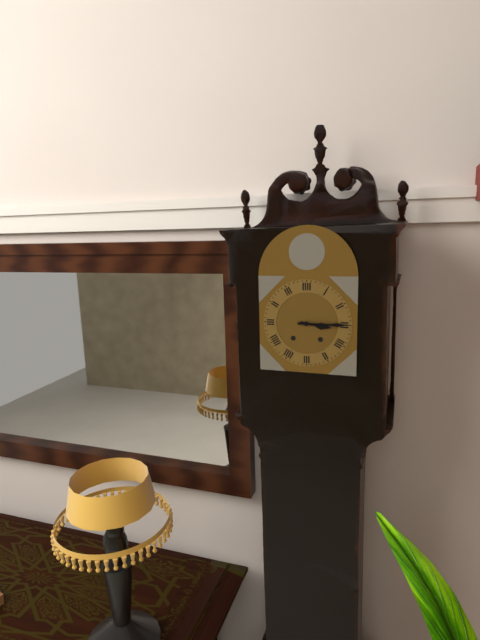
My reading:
**3:15**
